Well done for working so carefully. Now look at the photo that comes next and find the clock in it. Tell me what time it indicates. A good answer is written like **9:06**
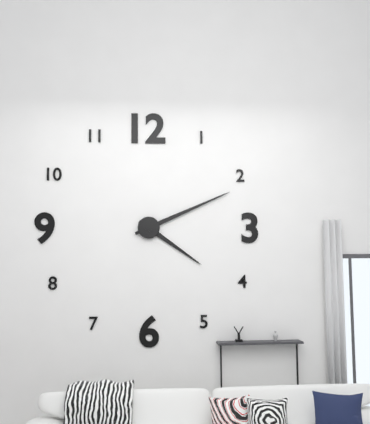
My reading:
**4:11**
